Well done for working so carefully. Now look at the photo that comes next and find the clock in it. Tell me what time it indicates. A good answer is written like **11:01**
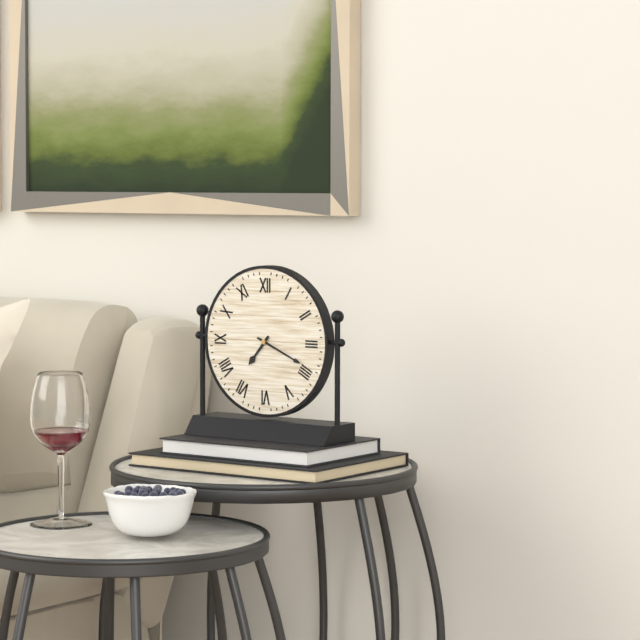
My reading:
**7:19**
